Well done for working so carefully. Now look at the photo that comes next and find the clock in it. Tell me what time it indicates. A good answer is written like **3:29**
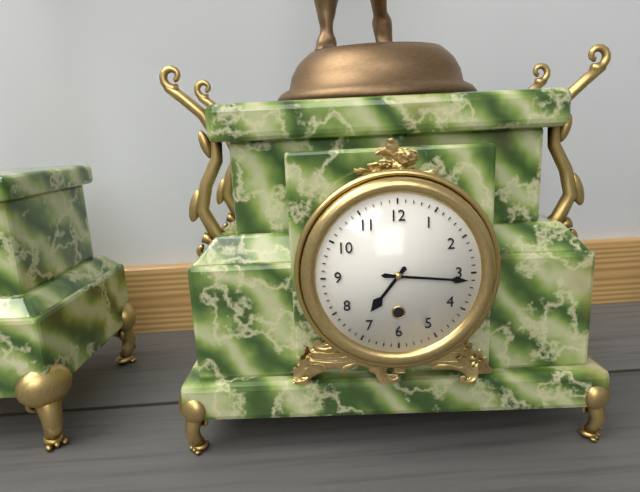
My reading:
**7:16**
